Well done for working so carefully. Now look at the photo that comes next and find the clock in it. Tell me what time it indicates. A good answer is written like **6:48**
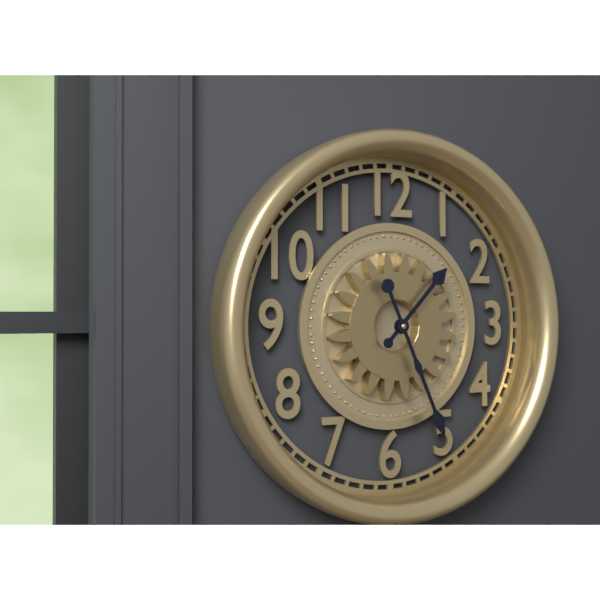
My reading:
**1:26**
